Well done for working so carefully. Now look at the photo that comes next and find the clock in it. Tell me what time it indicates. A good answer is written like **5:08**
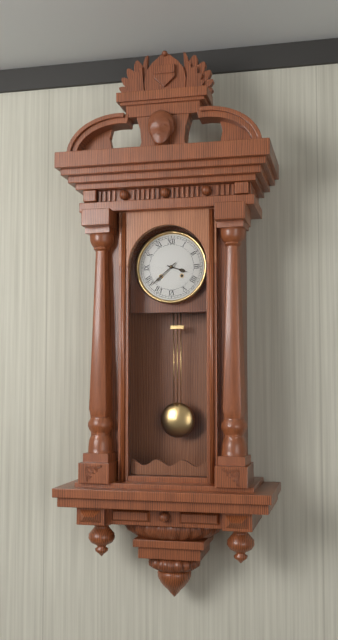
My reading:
**3:38**
